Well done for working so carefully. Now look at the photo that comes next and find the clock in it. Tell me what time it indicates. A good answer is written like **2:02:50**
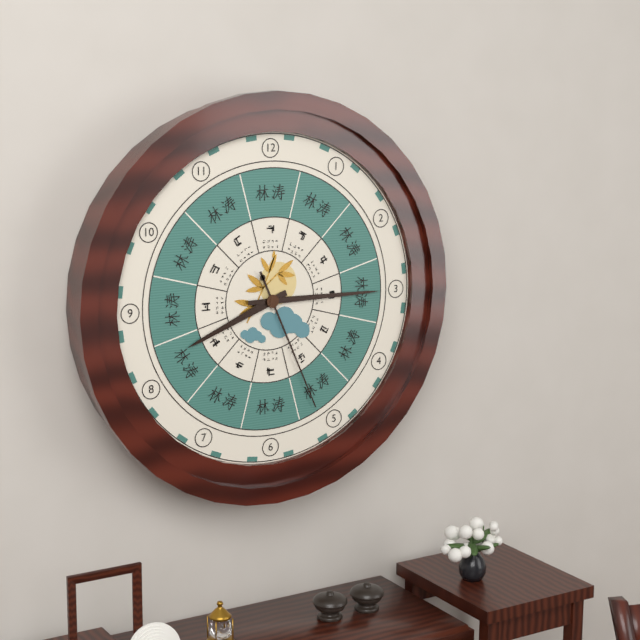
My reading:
**8:15:26**
